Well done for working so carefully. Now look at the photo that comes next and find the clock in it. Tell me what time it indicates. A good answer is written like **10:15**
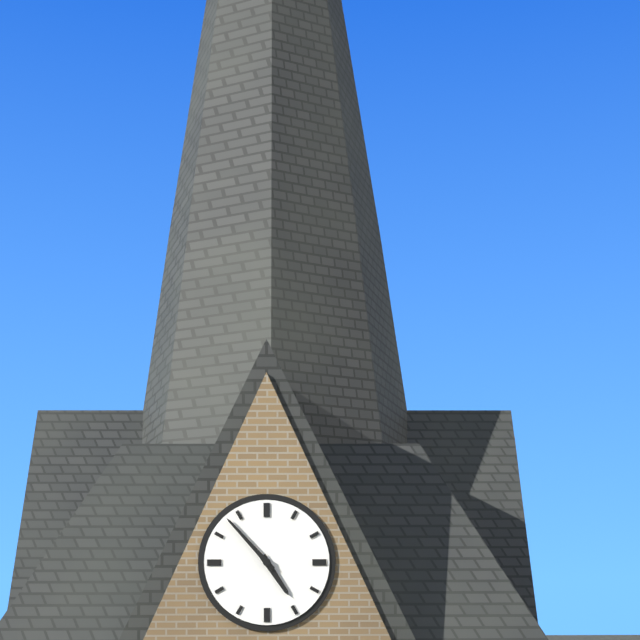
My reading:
**4:53**
